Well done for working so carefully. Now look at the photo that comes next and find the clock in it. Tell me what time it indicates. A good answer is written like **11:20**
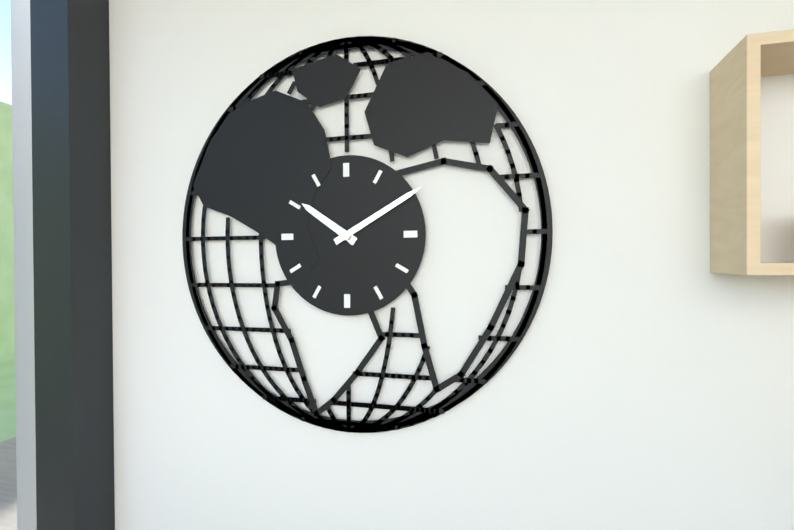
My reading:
**10:10**
